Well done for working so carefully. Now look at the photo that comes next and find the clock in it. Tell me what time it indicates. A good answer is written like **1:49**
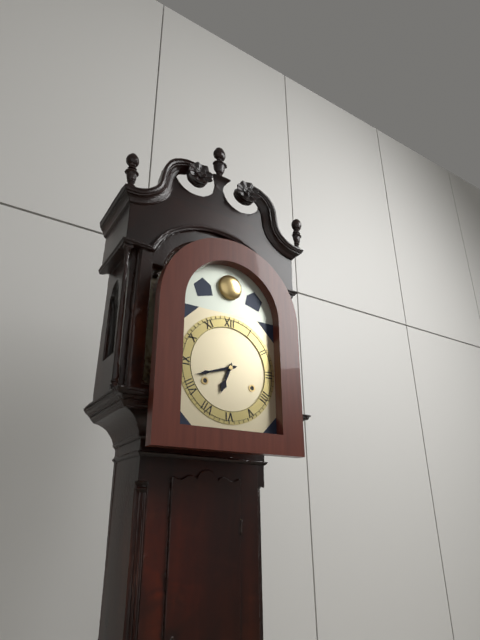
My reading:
**6:42**
